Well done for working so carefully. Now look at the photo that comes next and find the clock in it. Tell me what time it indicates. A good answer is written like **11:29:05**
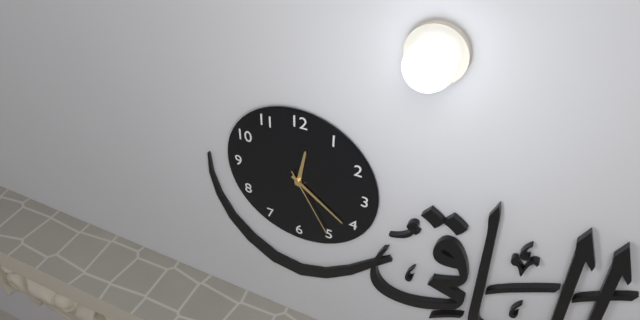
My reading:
**12:21:25**
